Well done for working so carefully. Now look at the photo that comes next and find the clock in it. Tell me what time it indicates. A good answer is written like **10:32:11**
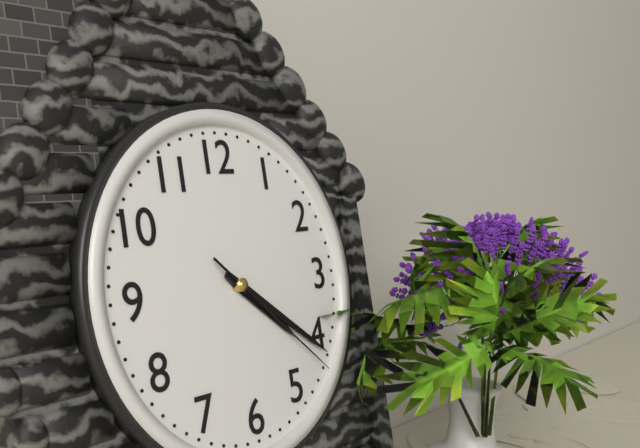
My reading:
**4:21:22**
